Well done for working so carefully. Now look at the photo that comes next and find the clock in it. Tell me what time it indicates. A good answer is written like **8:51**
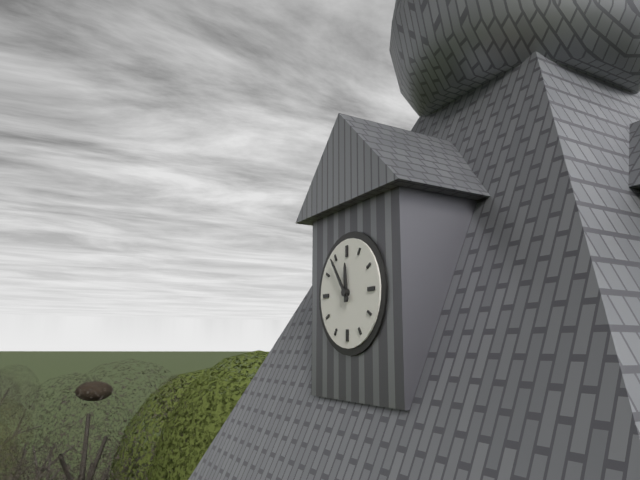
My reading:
**11:54**
